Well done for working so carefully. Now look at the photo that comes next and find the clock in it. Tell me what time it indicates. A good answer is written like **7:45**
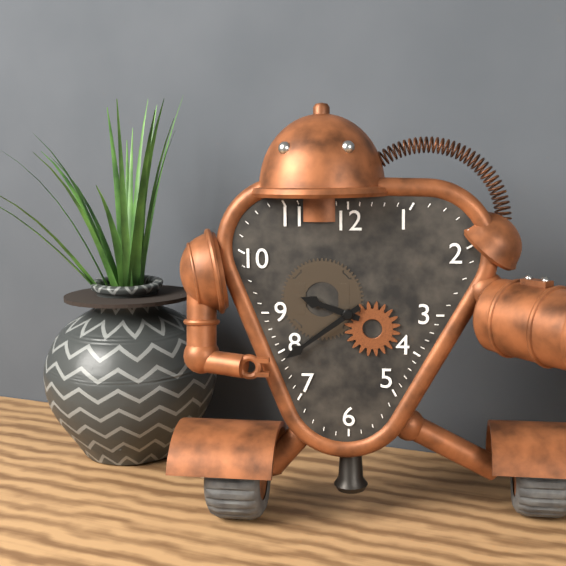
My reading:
**9:39**
